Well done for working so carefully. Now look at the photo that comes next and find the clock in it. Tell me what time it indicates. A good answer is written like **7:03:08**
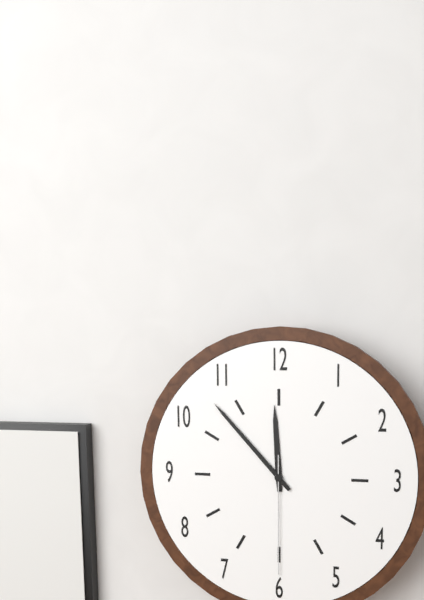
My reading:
**11:53:30**
